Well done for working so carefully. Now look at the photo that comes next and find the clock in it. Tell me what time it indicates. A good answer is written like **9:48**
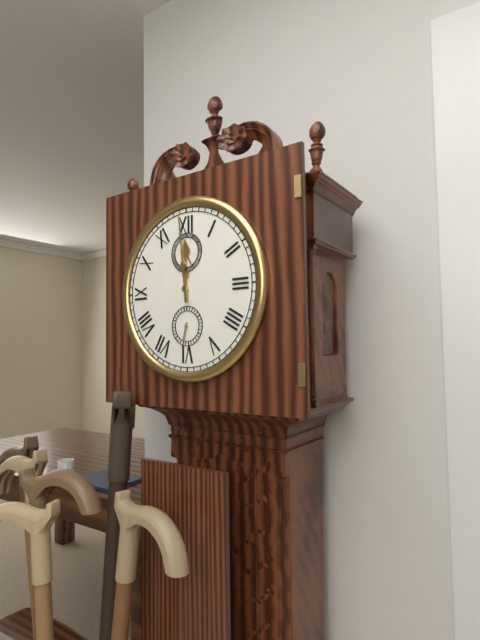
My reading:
**11:59**
